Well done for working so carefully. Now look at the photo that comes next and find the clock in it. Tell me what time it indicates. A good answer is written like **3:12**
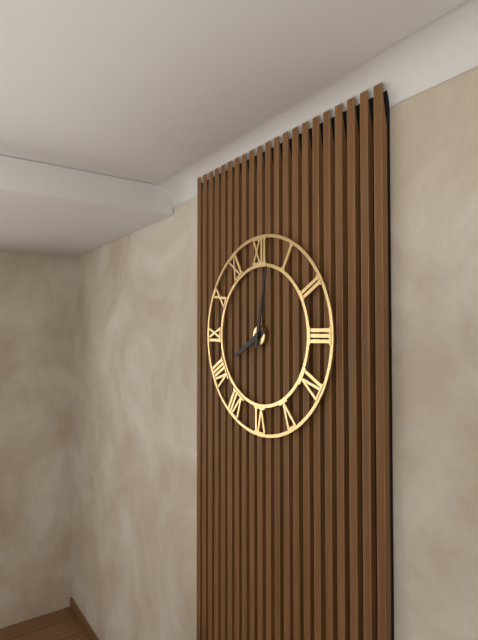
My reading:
**8:02**
